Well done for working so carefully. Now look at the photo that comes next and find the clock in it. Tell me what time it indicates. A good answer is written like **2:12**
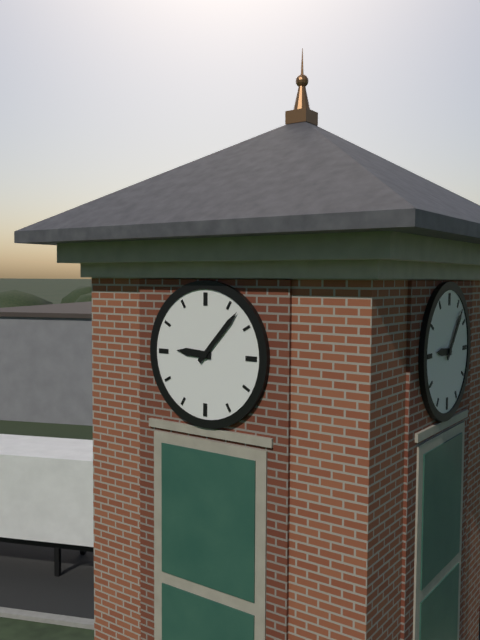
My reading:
**9:07**
